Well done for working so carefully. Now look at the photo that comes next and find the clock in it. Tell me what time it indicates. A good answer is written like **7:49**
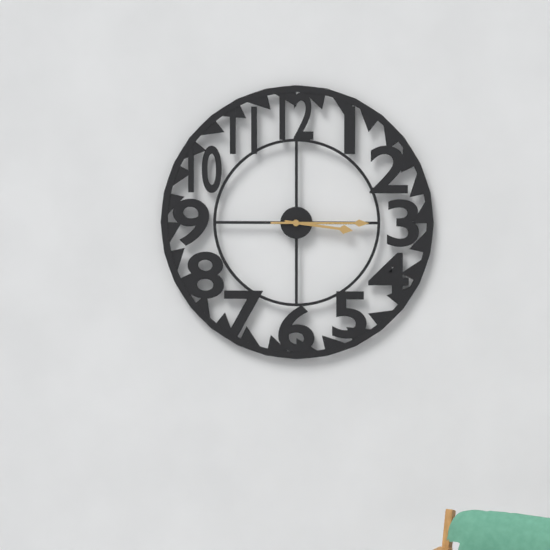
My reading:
**3:15**
